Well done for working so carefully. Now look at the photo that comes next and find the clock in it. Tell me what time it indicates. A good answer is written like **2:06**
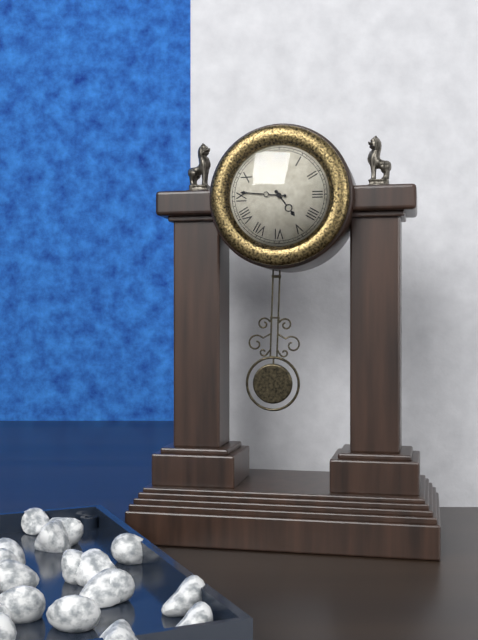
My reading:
**4:46**
